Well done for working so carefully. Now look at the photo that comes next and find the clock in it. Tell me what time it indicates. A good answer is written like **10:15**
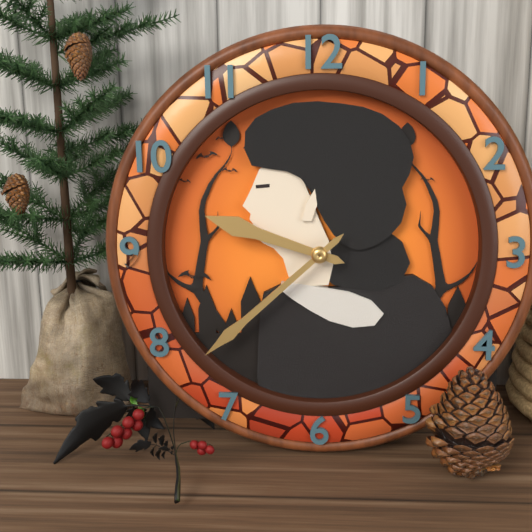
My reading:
**9:38**
